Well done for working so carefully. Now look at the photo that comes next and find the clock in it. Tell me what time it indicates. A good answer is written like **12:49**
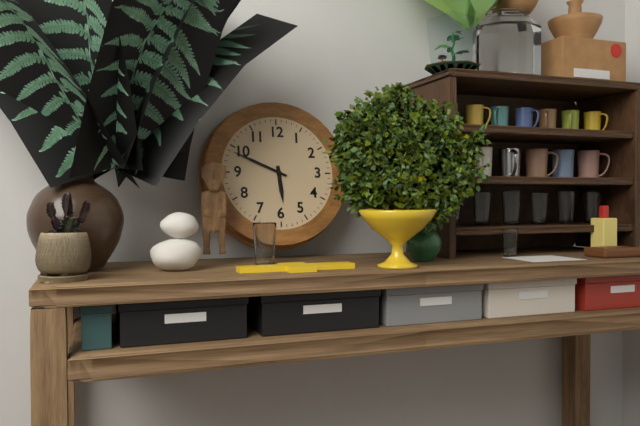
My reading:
**5:49**
